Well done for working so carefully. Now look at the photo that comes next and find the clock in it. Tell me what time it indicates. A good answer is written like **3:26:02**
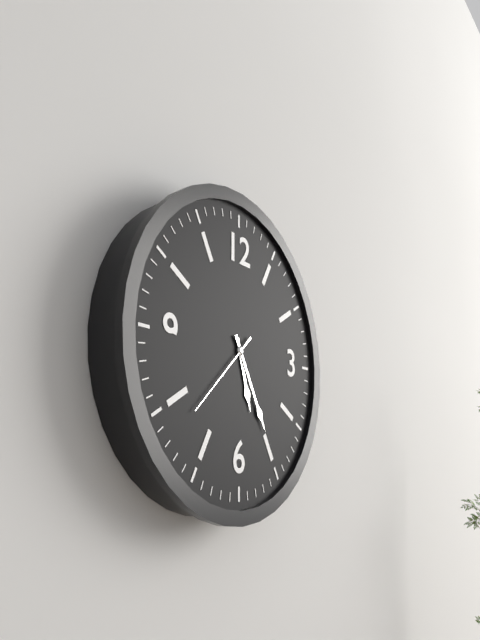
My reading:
**5:25:38**
